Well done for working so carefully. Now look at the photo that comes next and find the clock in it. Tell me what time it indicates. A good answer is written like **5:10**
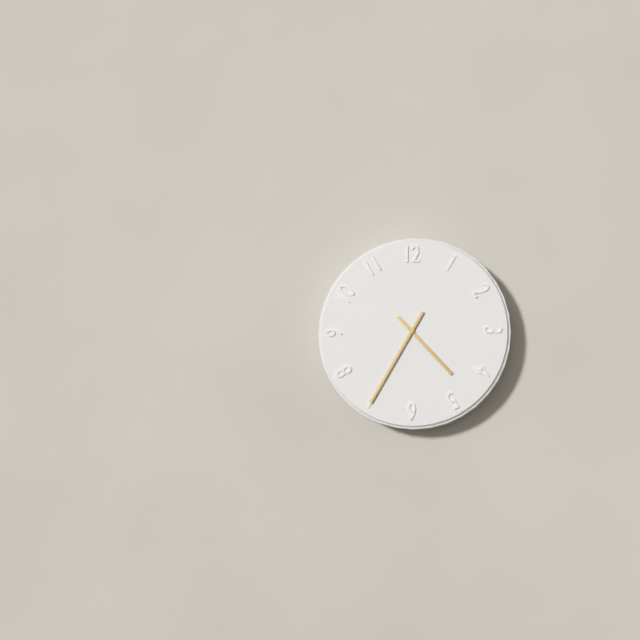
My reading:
**4:35**
